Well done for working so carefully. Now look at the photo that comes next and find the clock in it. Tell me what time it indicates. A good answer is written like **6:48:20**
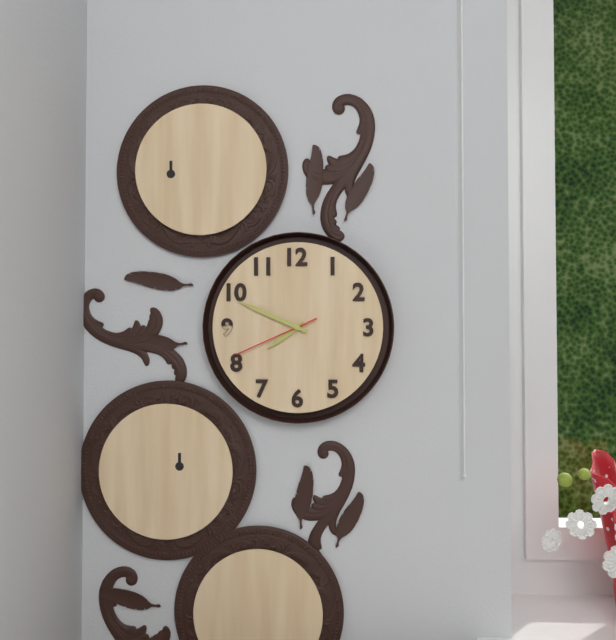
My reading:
**7:49:41**
